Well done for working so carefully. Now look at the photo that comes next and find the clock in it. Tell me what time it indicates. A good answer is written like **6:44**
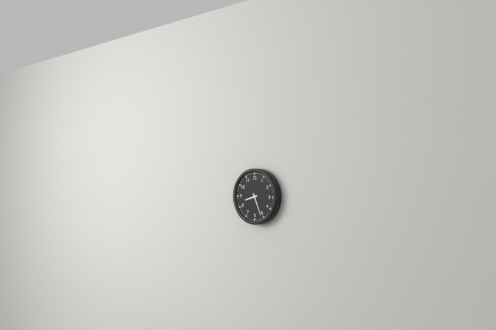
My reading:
**8:26**
